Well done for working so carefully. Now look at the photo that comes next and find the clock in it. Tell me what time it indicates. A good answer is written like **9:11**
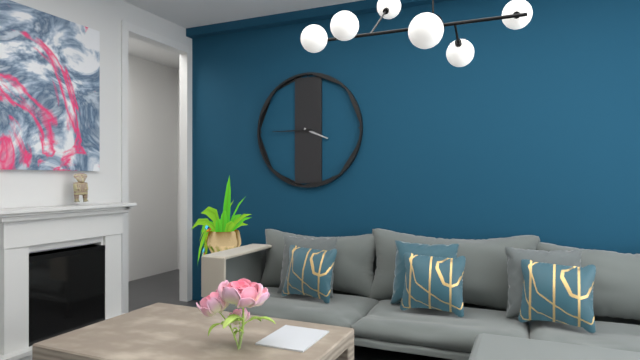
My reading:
**3:45**
